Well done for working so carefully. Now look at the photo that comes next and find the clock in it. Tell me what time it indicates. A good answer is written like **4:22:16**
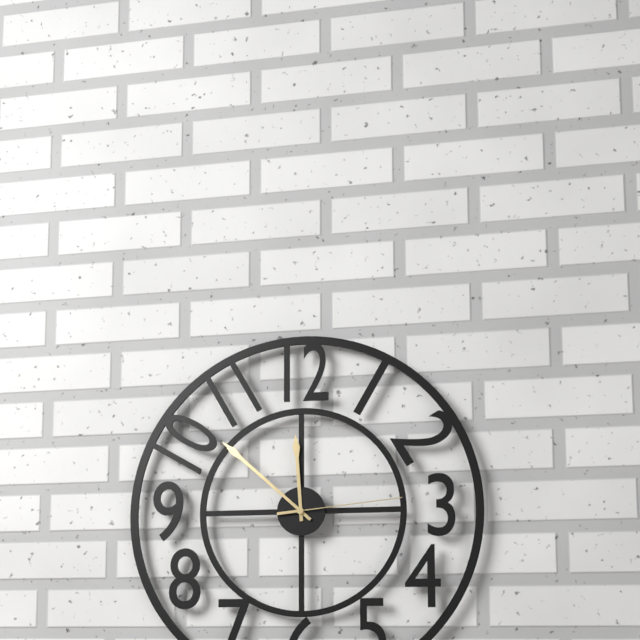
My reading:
**11:52:14**
